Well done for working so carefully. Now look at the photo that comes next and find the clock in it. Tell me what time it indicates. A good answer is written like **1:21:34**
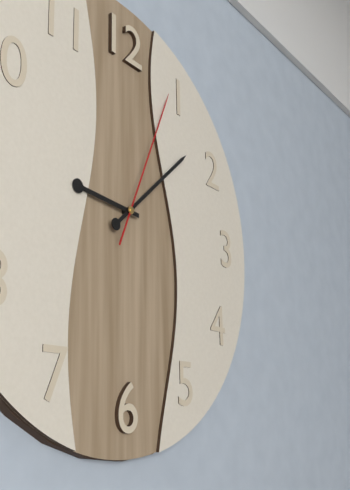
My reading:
**9:08:04**
